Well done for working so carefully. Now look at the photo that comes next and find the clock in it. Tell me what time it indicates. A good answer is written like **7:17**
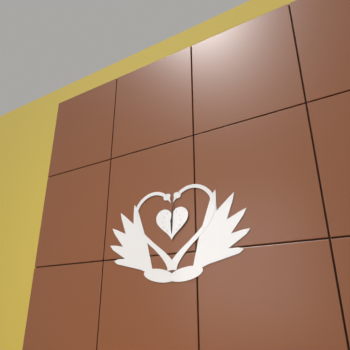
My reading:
**6:01**
